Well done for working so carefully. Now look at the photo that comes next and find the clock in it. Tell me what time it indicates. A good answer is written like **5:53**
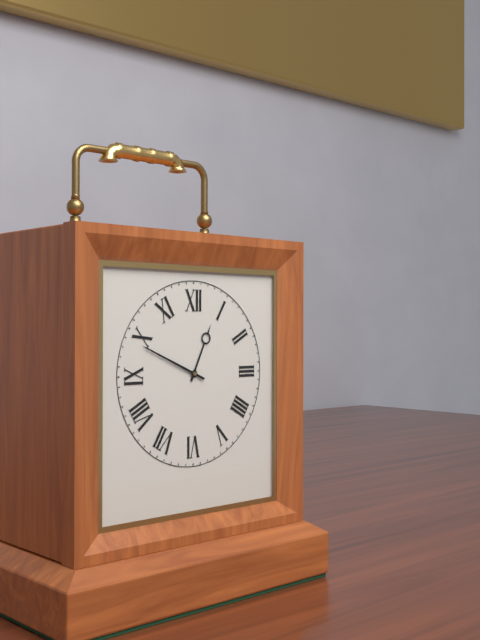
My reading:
**12:49**
